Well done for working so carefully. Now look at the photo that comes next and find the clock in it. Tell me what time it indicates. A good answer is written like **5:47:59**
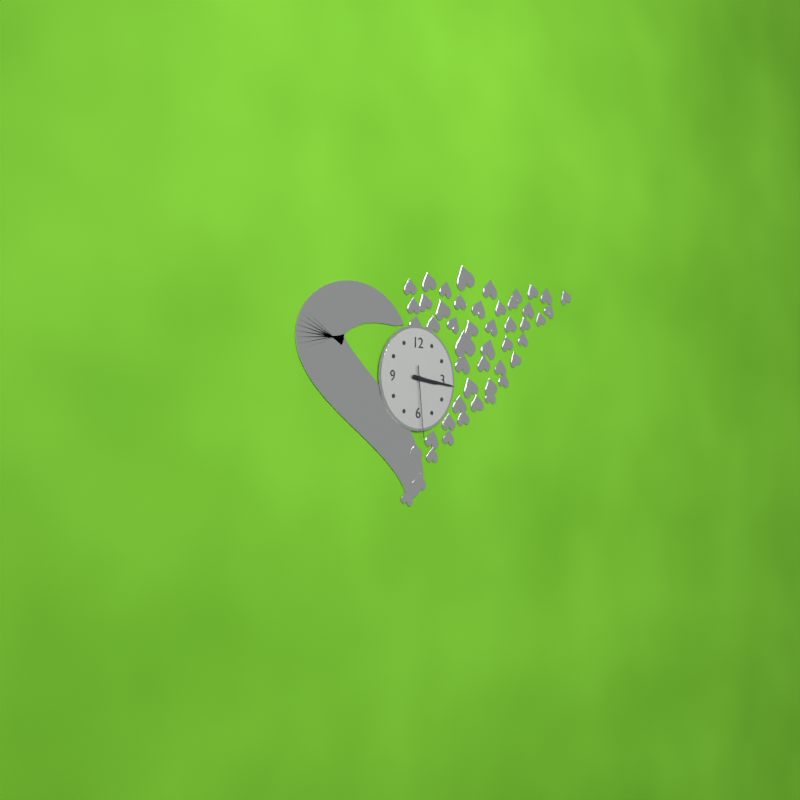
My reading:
**3:16:29**
